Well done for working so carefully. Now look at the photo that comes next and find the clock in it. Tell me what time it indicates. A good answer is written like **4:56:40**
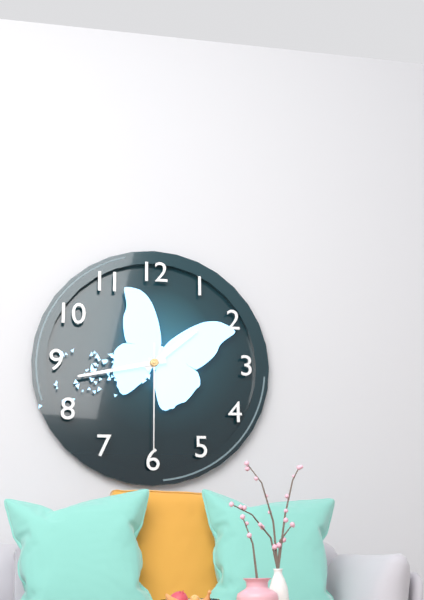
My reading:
**1:43:30**
